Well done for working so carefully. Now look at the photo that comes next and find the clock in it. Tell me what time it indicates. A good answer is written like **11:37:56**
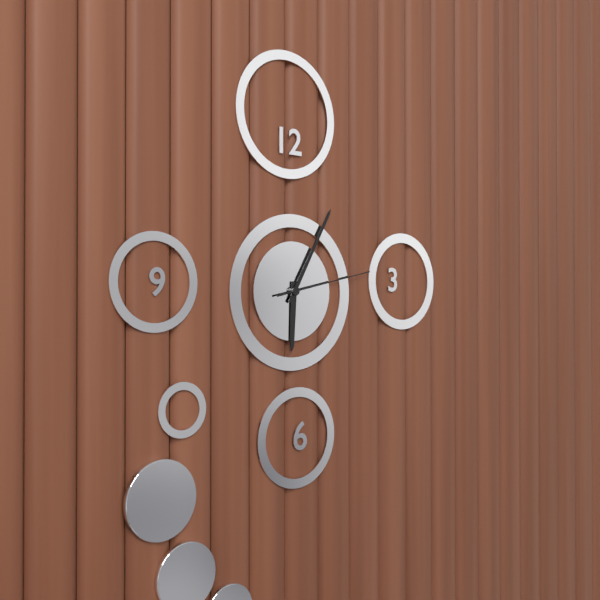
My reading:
**6:05:13**
